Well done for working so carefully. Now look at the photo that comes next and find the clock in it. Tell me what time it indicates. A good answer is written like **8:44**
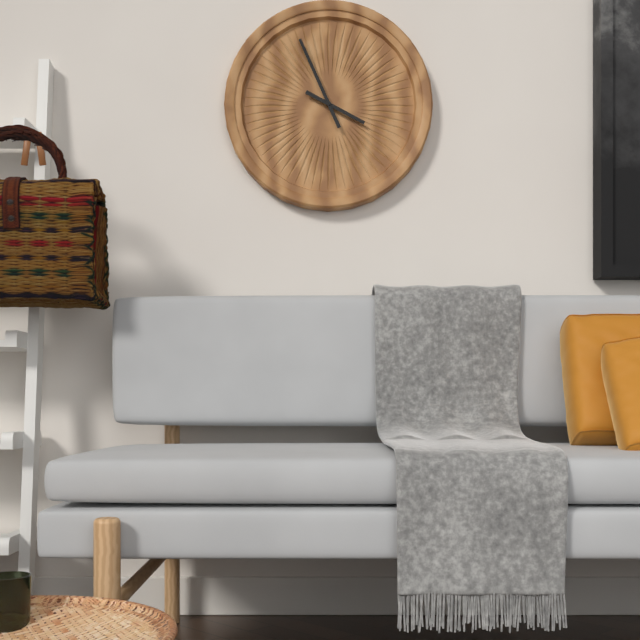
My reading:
**3:56**
